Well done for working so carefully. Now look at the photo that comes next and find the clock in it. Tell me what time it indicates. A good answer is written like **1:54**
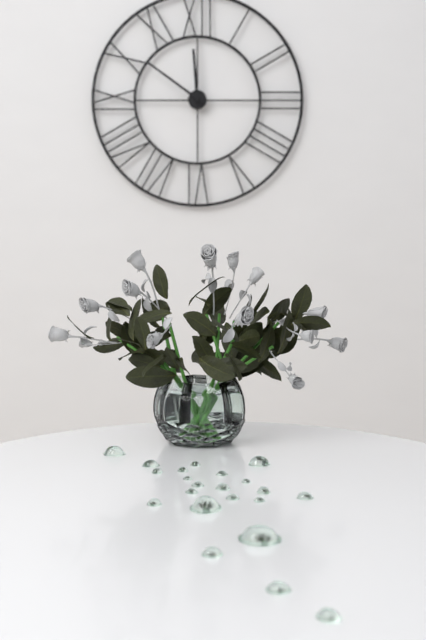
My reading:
**11:51**
